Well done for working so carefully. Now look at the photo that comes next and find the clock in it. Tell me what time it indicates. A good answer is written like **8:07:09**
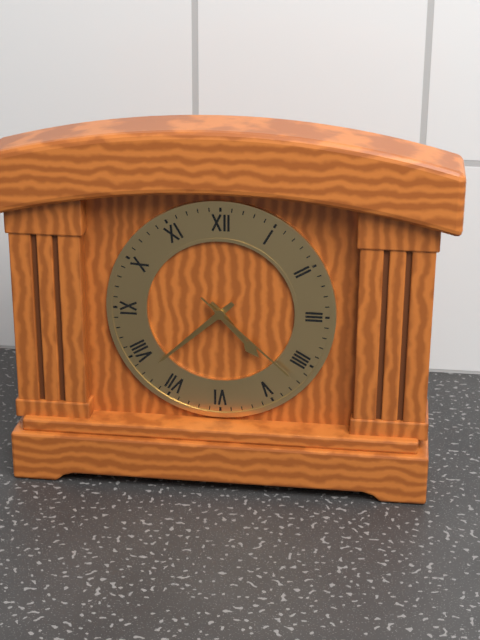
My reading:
**4:38:22**
